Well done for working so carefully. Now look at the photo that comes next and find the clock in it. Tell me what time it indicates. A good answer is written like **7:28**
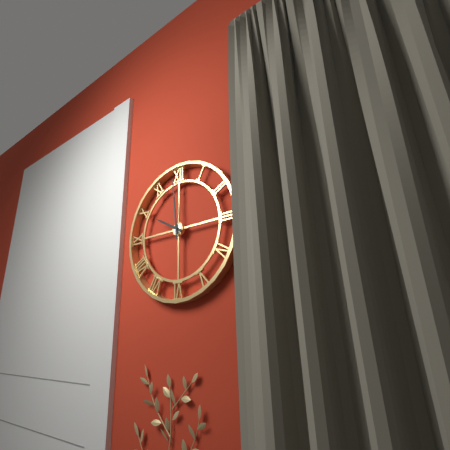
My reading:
**9:59**
